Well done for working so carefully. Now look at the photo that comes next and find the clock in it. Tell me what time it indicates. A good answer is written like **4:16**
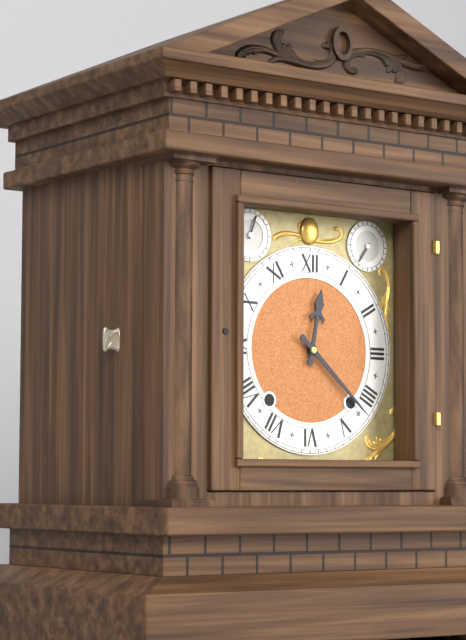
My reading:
**12:22**
